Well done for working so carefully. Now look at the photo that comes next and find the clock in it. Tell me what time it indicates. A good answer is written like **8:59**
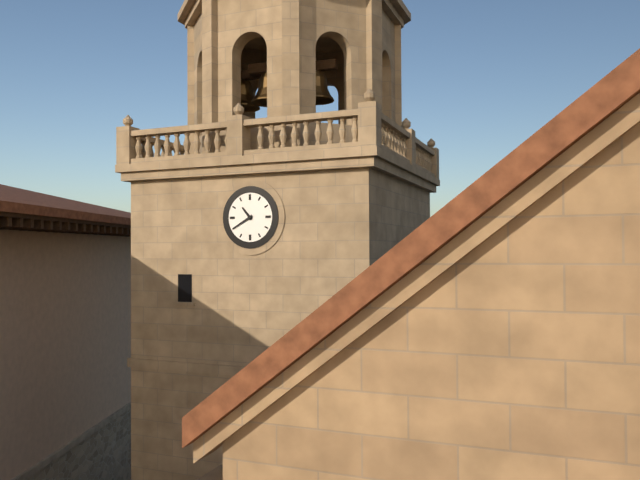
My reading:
**10:40**
